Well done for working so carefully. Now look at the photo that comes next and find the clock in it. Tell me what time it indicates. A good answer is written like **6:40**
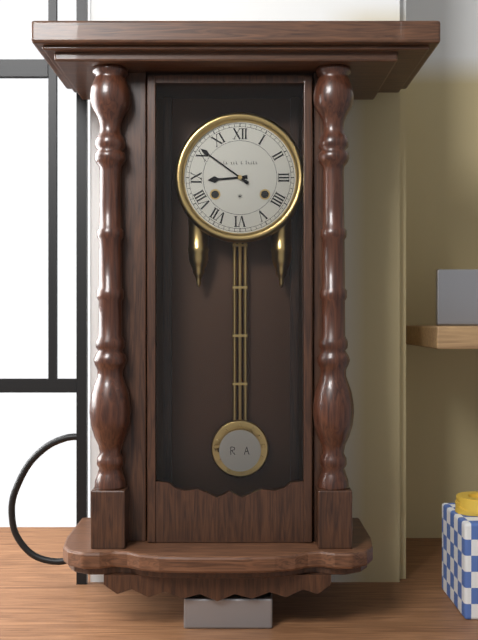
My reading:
**8:51**
